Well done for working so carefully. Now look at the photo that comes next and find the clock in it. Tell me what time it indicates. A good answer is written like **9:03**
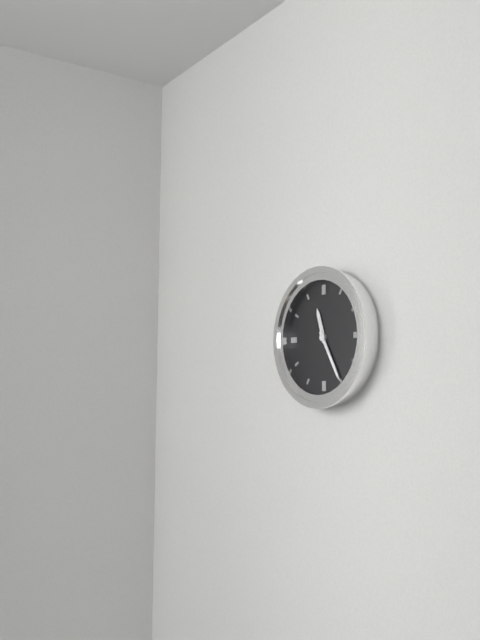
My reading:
**11:25**
